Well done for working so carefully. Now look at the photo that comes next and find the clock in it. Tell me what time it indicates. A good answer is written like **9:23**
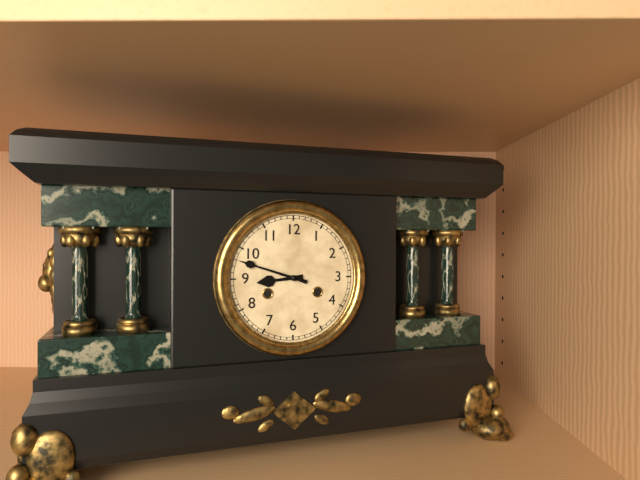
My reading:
**8:48**
